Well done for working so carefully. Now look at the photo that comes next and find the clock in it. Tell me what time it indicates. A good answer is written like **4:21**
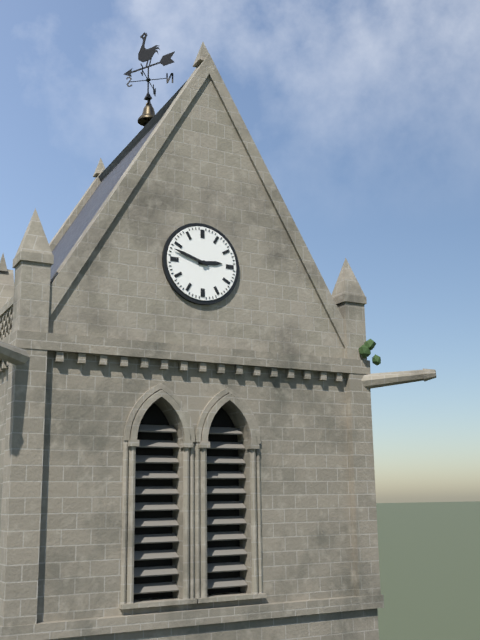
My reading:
**2:48**
